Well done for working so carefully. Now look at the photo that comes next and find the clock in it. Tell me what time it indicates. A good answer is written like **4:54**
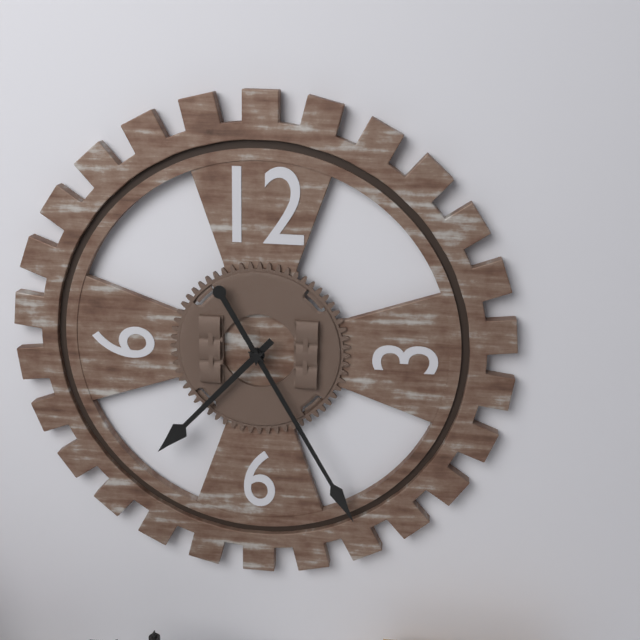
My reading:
**7:25**
